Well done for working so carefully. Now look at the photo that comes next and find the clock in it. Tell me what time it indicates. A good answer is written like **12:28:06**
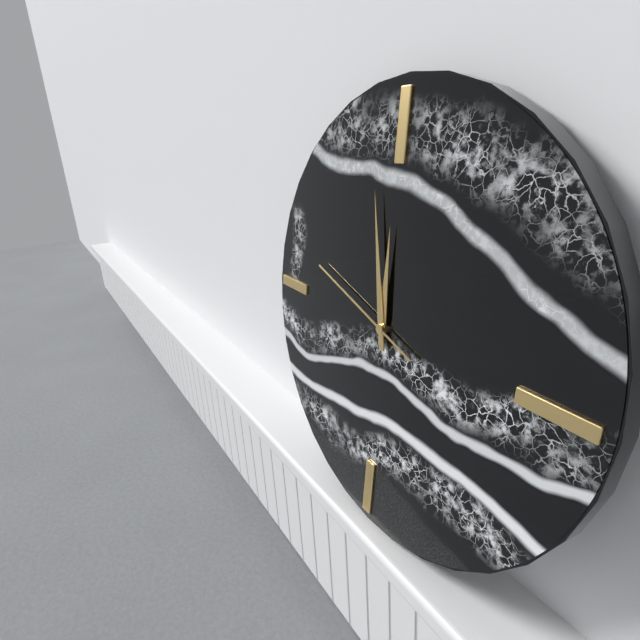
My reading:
**11:58:48**
